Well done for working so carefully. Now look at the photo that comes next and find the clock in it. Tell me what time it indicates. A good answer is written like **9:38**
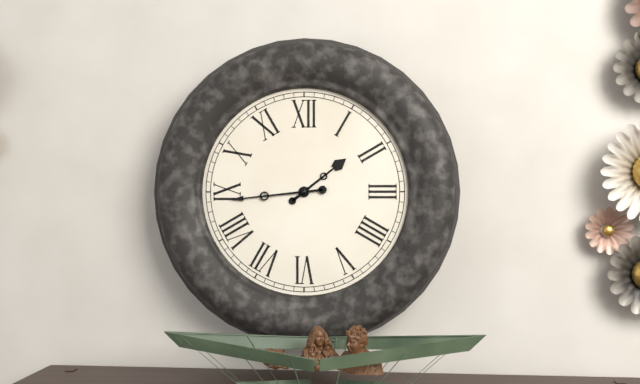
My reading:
**1:44**
